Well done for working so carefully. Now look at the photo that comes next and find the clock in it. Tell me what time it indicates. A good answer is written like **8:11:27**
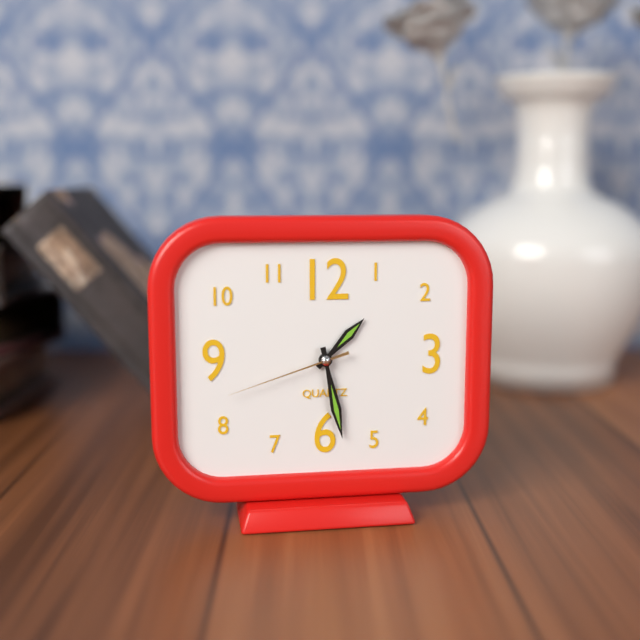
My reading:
**1:28:42**
